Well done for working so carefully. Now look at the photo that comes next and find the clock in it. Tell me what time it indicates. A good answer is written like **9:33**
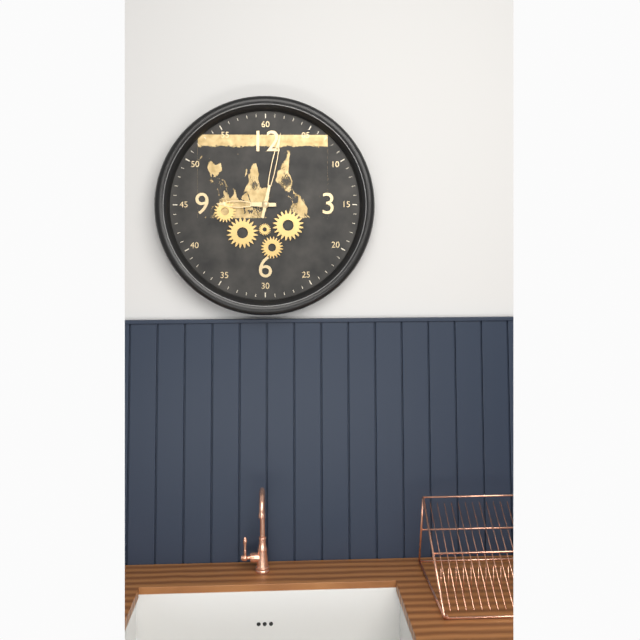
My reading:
**9:02**
